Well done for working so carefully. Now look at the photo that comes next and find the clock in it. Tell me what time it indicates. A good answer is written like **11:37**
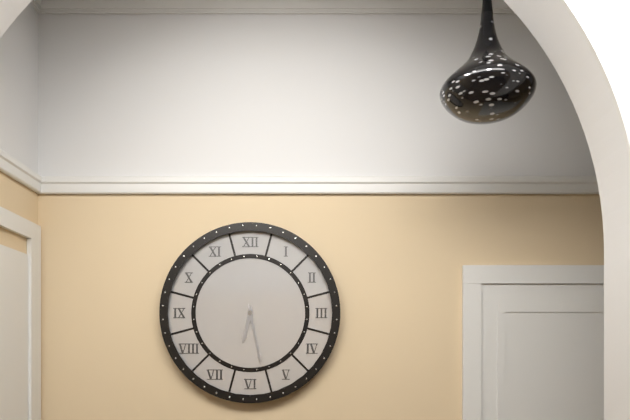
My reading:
**6:28**
